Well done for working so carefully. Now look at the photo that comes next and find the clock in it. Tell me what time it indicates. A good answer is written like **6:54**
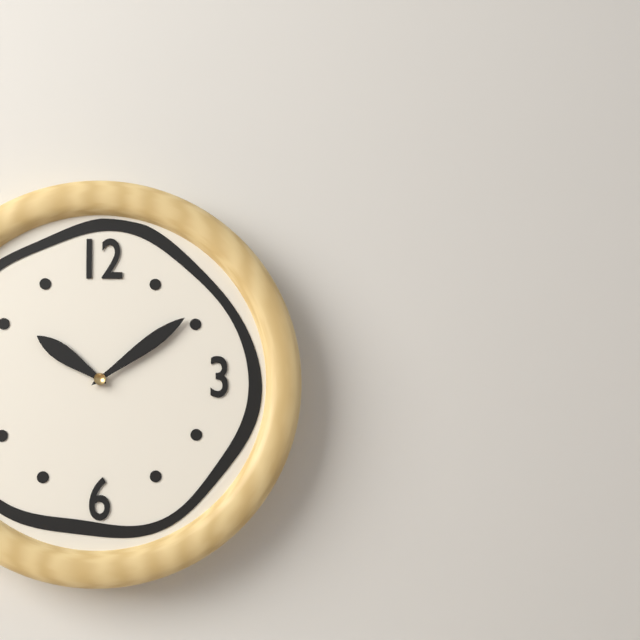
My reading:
**10:09**
